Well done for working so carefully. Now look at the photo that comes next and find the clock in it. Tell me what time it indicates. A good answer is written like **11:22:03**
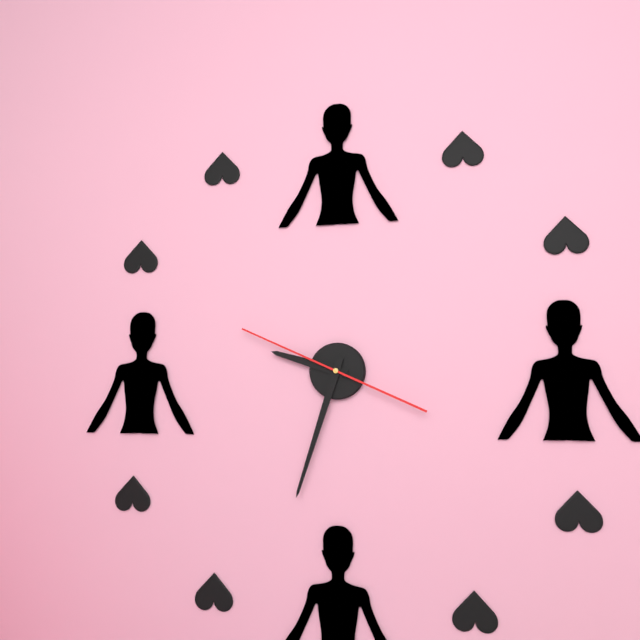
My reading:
**9:33:49**
